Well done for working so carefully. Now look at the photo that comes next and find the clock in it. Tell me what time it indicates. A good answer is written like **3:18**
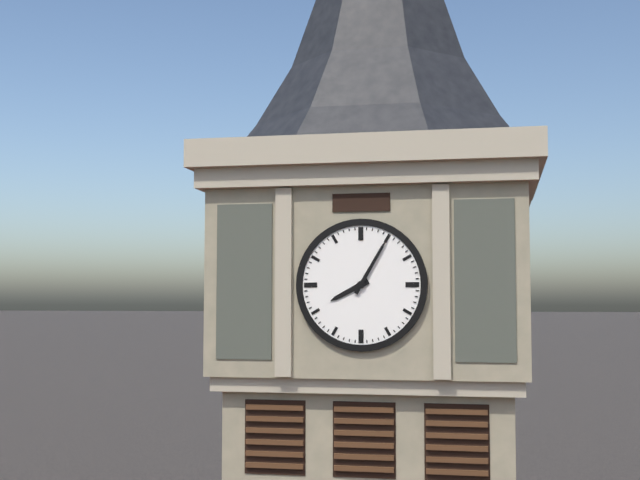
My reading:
**8:05**
